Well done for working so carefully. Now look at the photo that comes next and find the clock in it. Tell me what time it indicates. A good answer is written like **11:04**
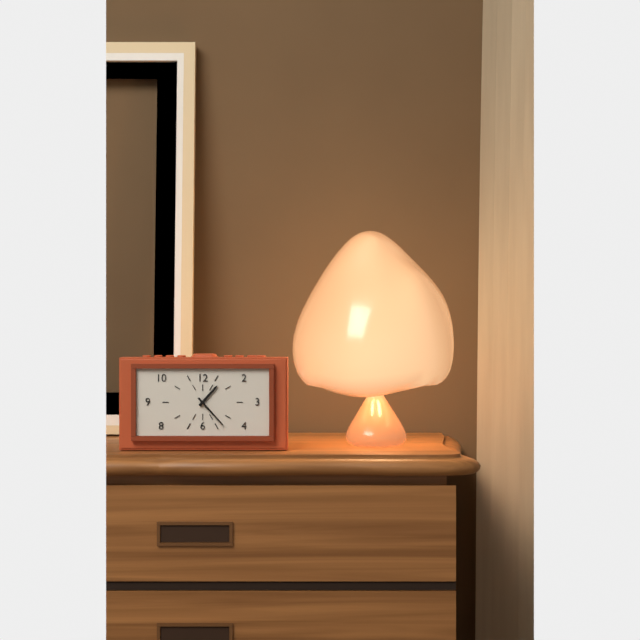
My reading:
**1:23**
